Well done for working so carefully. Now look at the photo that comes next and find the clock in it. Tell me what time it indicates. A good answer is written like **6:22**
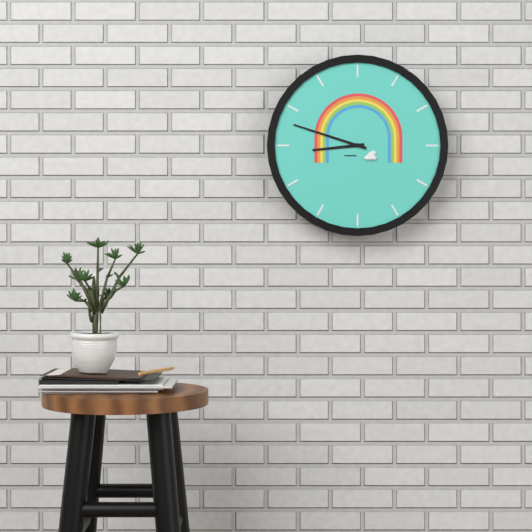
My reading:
**8:48**
